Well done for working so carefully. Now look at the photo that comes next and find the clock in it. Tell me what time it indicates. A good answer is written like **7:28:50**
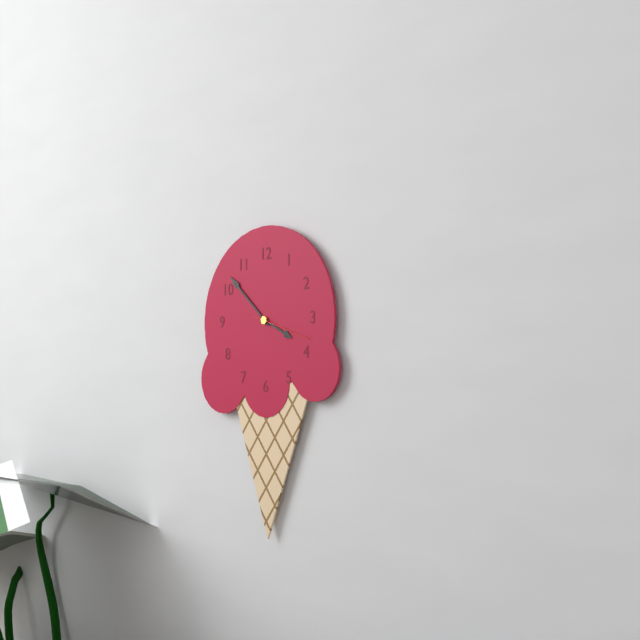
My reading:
**3:52:18**
